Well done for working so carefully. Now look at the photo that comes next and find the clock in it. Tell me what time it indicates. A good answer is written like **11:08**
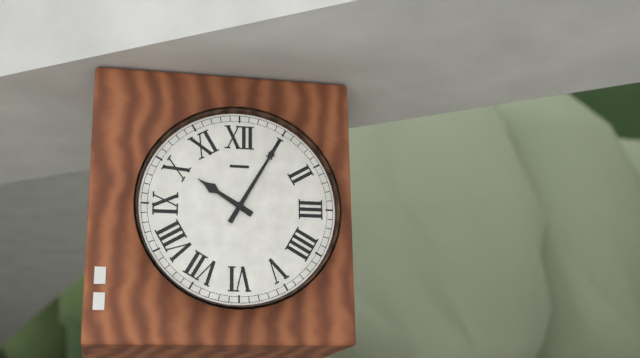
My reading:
**10:05**
